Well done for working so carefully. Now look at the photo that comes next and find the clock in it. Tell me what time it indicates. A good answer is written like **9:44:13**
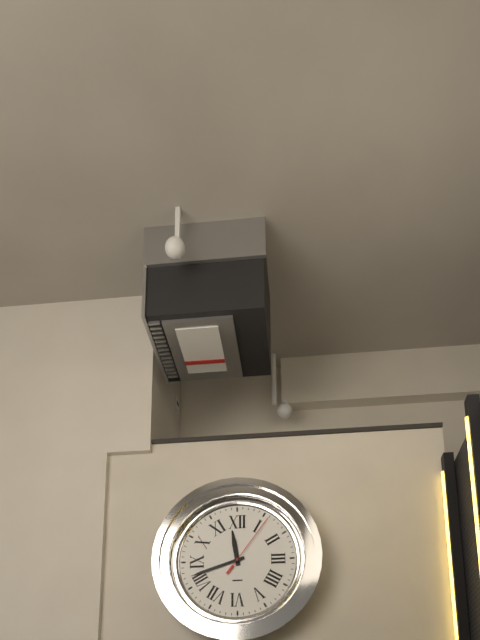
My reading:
**11:42:06**
